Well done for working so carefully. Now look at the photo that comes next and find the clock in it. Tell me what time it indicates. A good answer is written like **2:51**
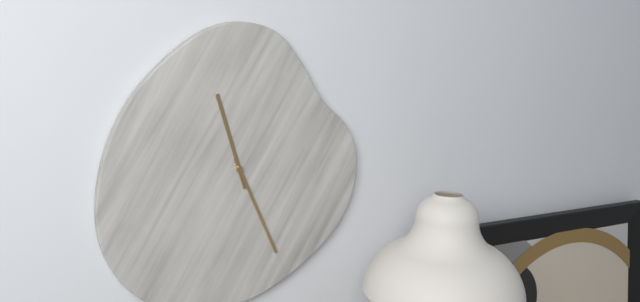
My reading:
**11:26**
